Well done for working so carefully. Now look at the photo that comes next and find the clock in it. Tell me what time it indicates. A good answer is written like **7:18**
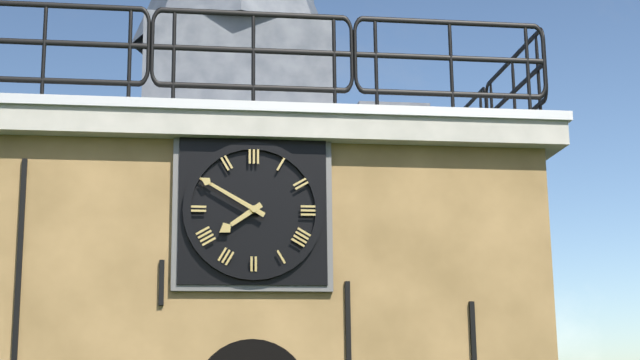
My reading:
**7:50**
